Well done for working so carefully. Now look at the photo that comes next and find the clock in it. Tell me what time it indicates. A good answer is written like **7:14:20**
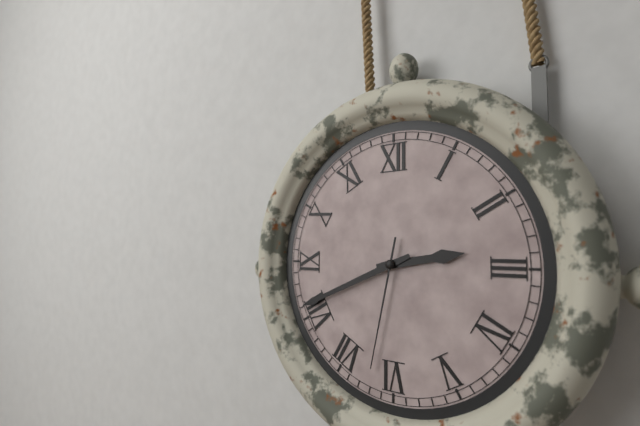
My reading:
**2:41:32**
